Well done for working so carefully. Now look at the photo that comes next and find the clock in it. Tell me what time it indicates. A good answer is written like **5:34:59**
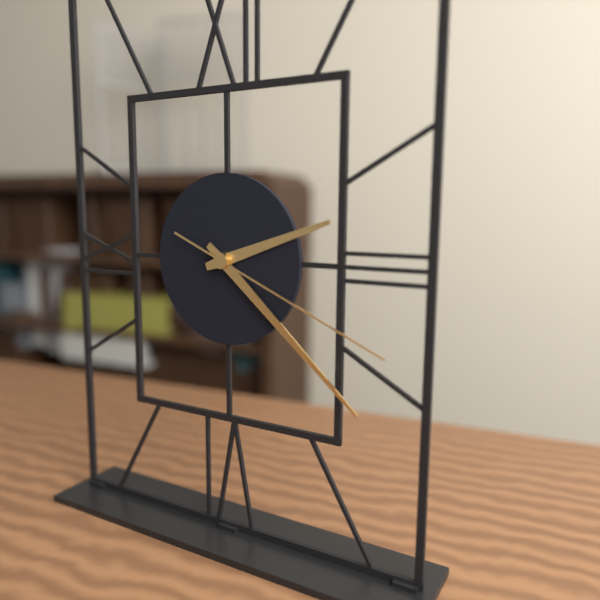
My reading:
**2:22:19**
